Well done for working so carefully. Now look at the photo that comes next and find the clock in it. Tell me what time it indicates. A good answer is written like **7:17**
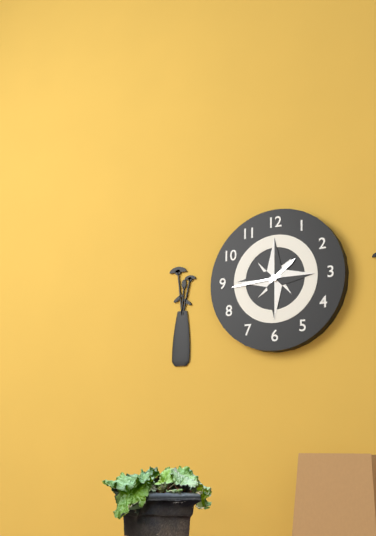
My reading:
**1:44**
